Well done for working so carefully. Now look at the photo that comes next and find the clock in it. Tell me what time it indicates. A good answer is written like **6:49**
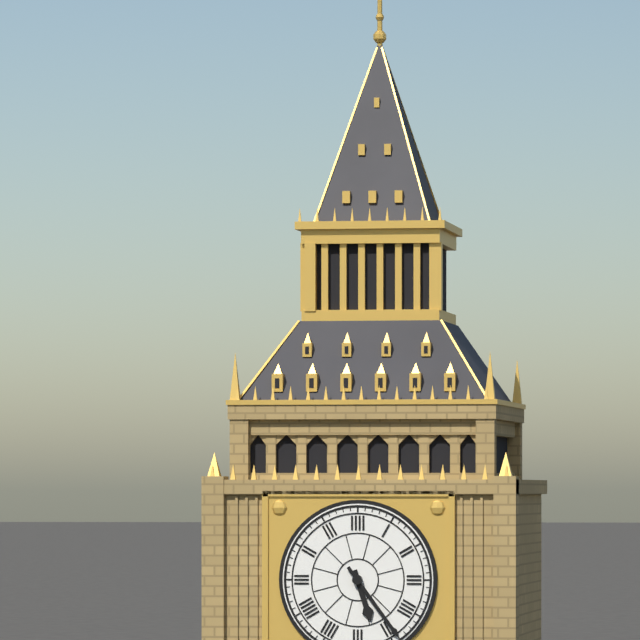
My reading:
**5:24**
